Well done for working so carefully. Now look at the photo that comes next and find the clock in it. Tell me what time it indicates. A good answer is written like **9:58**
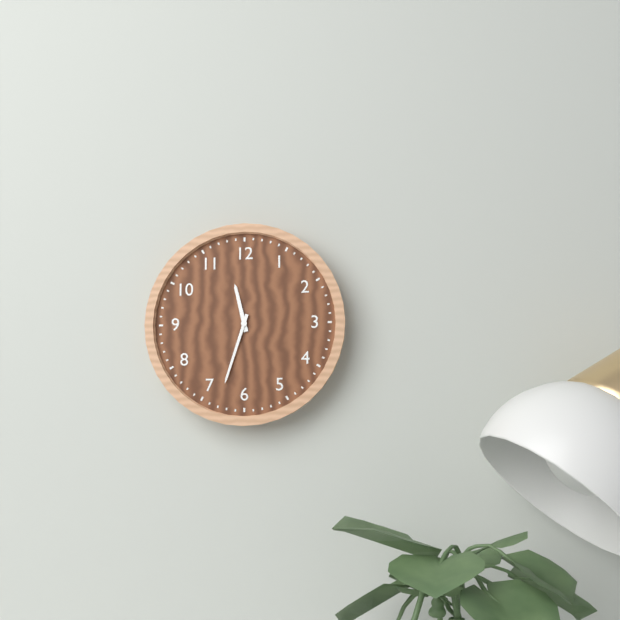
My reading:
**11:33**
